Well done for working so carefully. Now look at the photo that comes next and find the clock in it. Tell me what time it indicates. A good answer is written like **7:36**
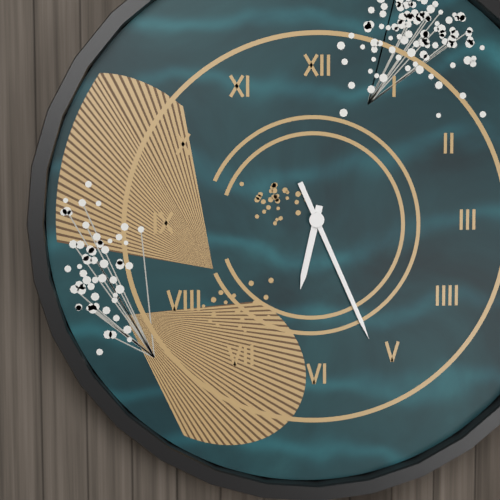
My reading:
**6:26**
